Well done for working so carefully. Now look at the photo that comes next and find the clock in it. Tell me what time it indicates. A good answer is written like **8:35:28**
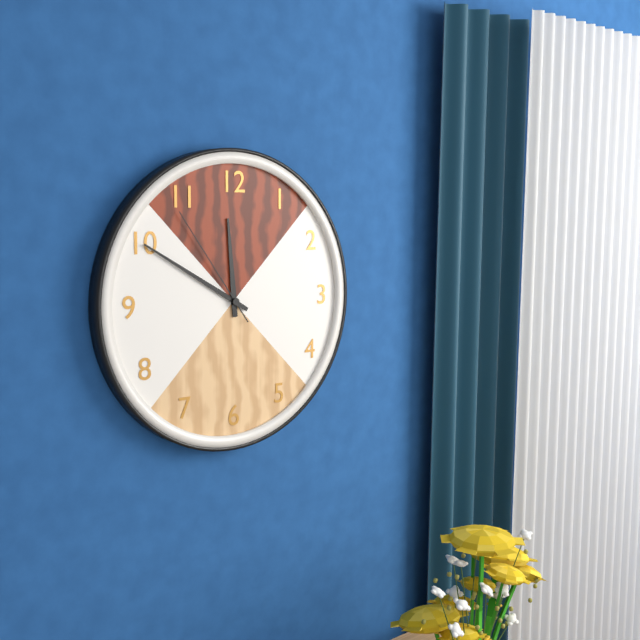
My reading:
**11:50:54**
